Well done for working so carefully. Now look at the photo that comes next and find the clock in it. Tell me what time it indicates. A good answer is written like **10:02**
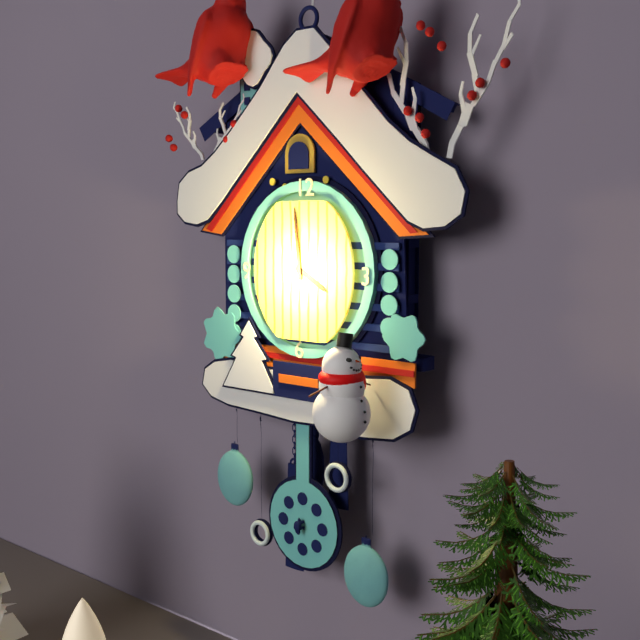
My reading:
**3:59**
